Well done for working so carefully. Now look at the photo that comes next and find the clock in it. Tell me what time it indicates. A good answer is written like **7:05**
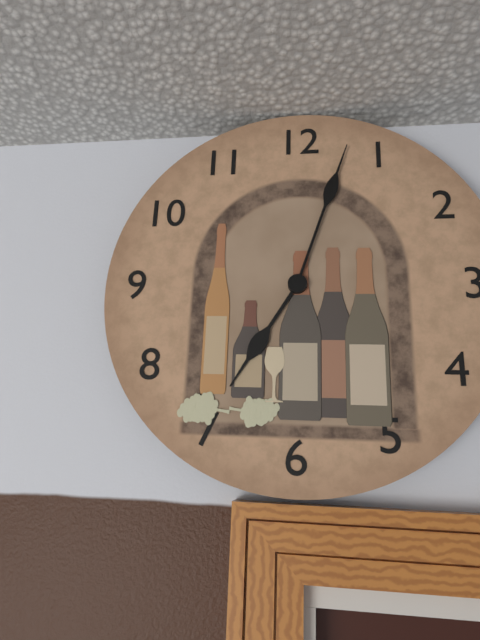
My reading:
**7:03**
